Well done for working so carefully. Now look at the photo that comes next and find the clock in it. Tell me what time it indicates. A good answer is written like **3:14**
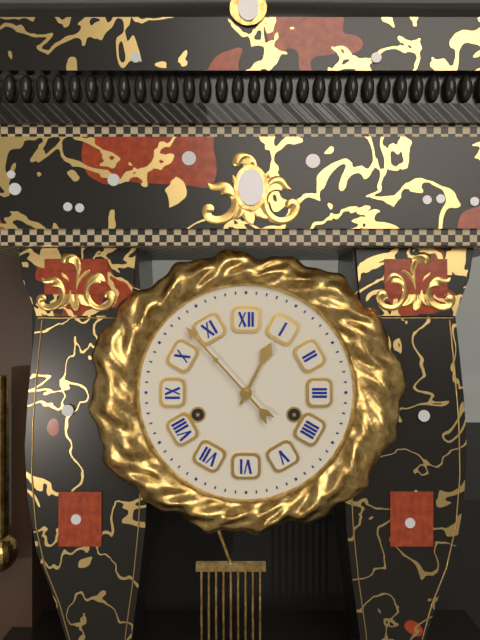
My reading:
**12:53**
